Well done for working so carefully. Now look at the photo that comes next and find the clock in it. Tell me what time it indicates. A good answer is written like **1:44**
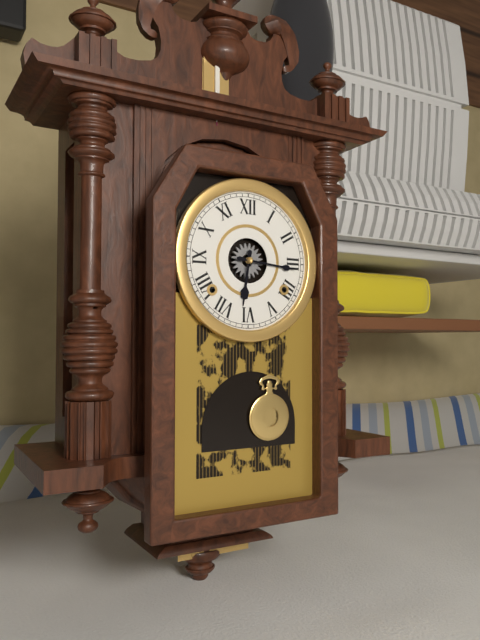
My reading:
**6:16**
